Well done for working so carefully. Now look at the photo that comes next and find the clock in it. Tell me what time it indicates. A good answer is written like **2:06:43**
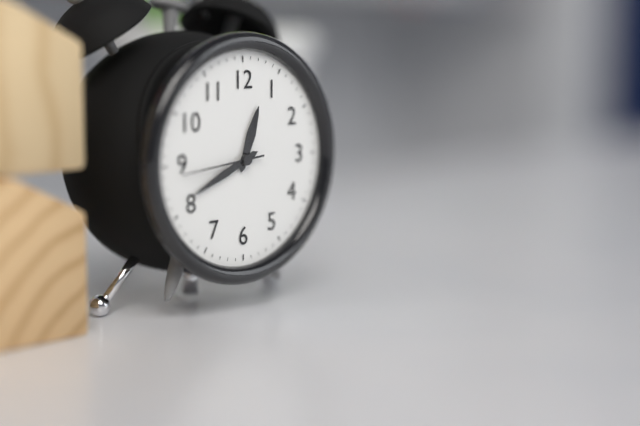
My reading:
**12:41:44**
